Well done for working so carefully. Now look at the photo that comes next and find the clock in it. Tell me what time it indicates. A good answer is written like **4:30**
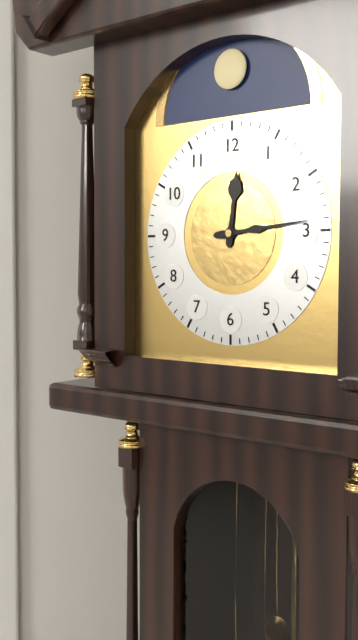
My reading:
**12:14**
